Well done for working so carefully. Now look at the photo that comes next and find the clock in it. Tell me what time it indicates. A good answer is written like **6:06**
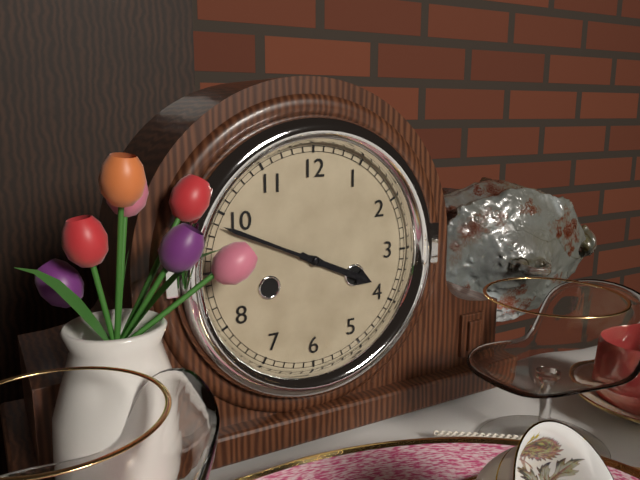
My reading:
**3:49**
